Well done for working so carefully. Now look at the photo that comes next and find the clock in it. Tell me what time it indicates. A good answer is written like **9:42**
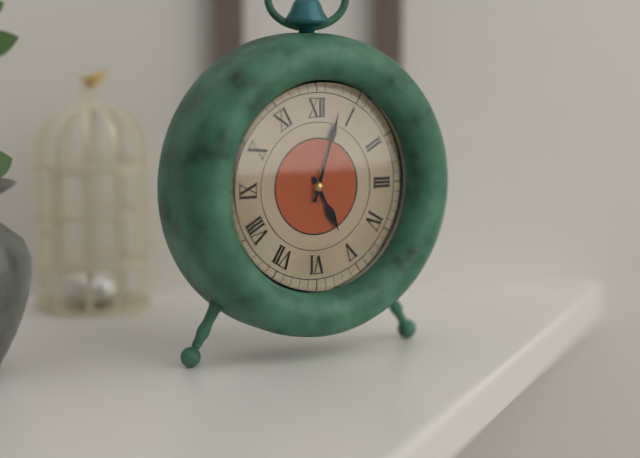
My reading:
**5:03**
